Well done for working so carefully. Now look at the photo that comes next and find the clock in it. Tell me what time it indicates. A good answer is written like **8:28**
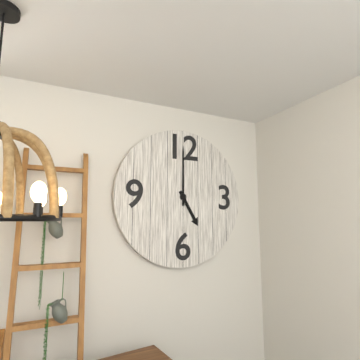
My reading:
**5:00**
